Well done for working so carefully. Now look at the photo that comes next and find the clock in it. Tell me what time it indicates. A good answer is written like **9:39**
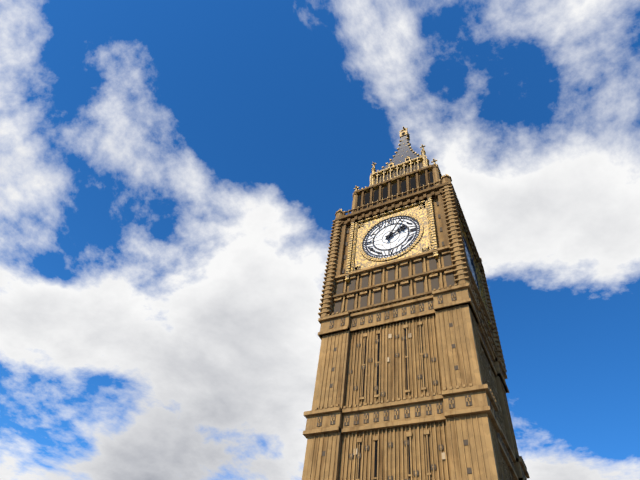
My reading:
**2:05**
